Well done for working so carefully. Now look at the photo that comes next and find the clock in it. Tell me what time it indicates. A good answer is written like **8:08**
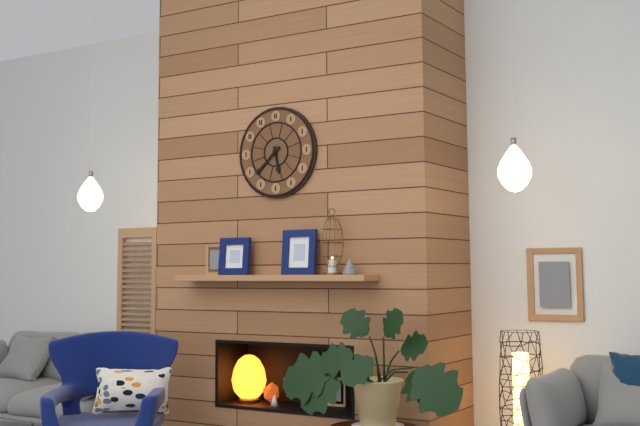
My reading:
**5:38**
